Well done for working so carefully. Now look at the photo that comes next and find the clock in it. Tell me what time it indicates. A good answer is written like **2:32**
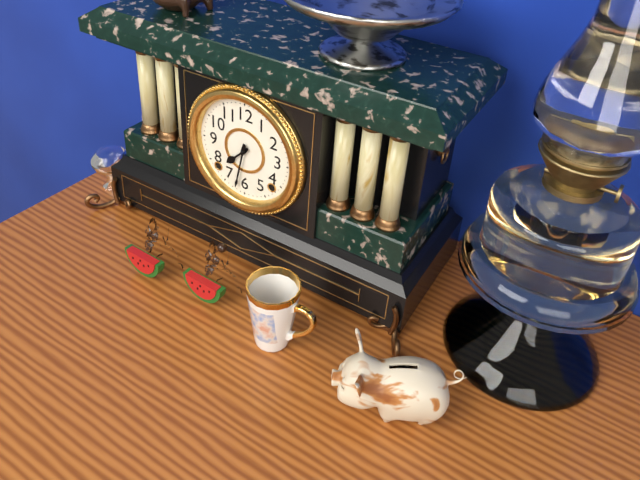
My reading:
**7:32**
